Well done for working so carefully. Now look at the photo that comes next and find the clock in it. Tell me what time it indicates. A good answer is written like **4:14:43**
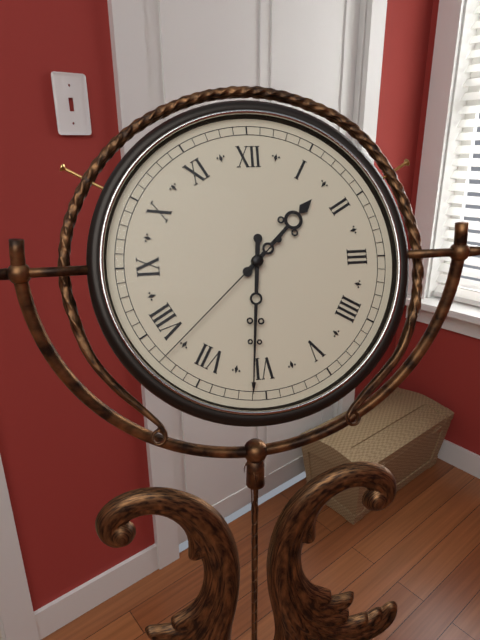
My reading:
**1:31:38**
